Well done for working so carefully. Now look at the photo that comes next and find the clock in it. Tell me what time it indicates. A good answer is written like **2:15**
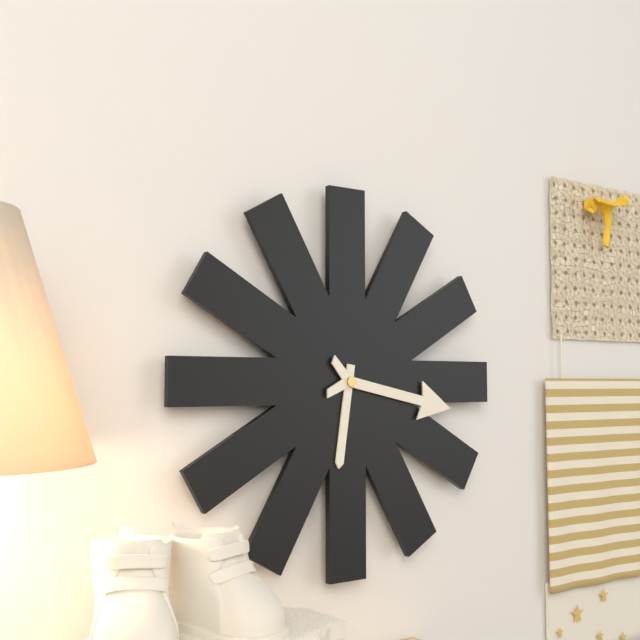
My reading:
**6:17**
